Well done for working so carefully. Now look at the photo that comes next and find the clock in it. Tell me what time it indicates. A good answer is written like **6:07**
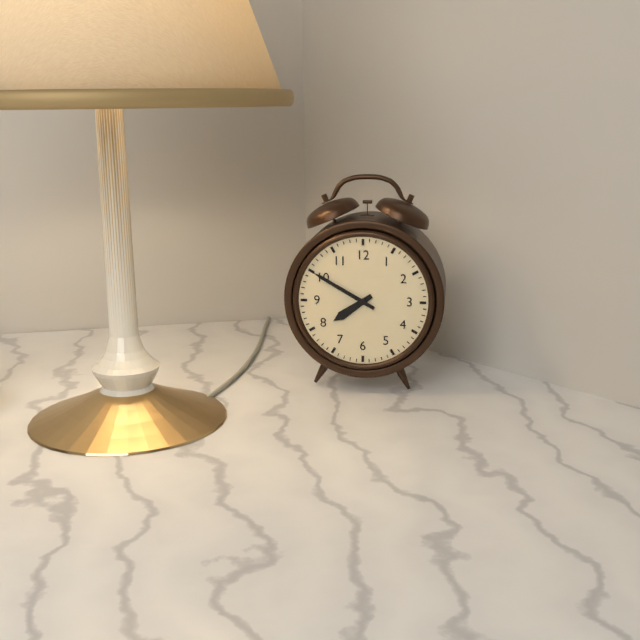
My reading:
**7:50**
